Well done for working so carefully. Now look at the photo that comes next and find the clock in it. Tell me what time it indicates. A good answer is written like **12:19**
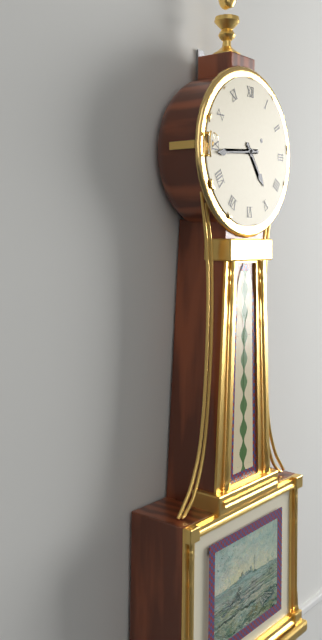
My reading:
**4:44**
